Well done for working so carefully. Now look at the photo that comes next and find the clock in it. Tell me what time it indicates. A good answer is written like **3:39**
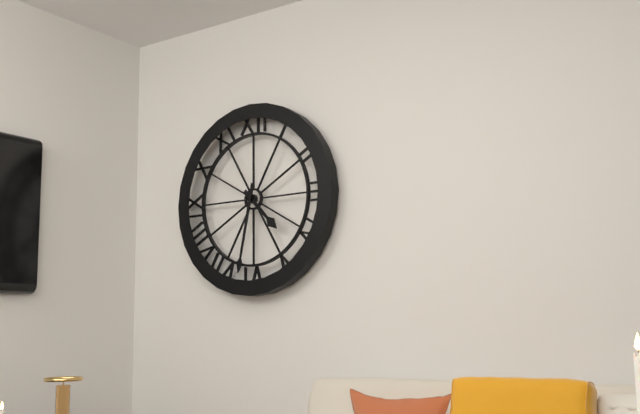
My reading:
**4:32**
